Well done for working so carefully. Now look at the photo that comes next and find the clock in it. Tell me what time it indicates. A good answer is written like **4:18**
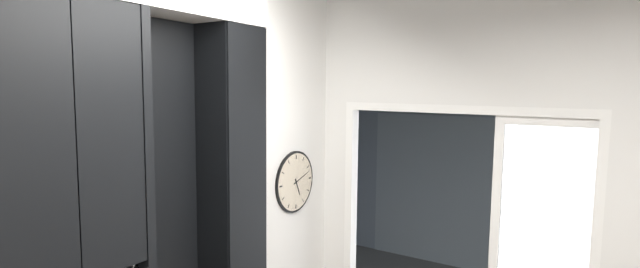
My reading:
**5:12**
